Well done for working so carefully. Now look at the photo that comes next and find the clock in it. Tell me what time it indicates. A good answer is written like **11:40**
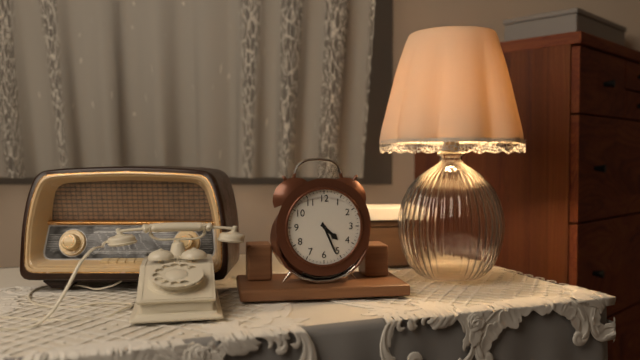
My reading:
**4:26**
